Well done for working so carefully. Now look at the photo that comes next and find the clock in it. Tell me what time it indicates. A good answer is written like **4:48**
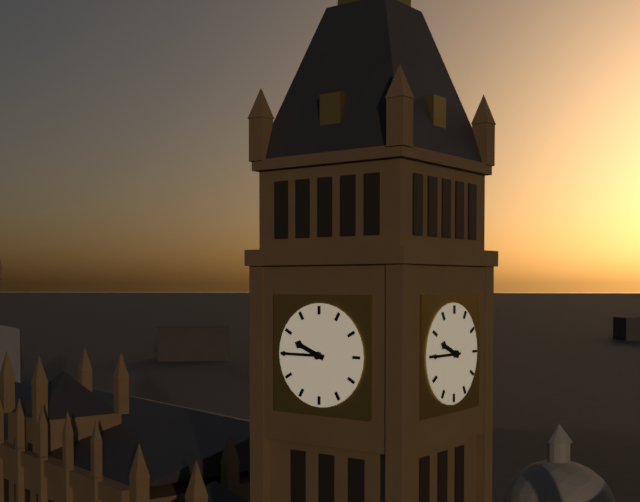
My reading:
**9:45**
